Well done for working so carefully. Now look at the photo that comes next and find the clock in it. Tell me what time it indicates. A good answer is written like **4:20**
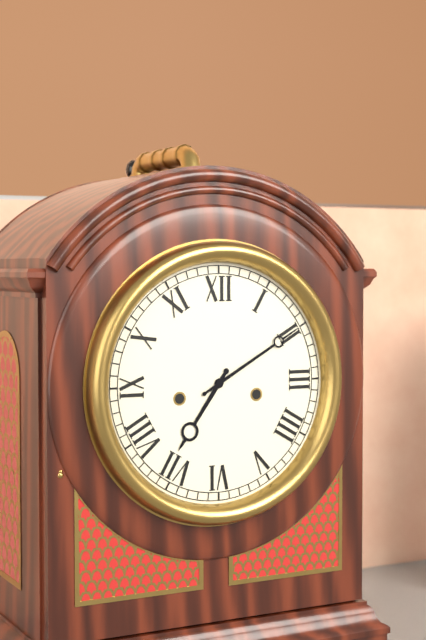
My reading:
**7:10**
